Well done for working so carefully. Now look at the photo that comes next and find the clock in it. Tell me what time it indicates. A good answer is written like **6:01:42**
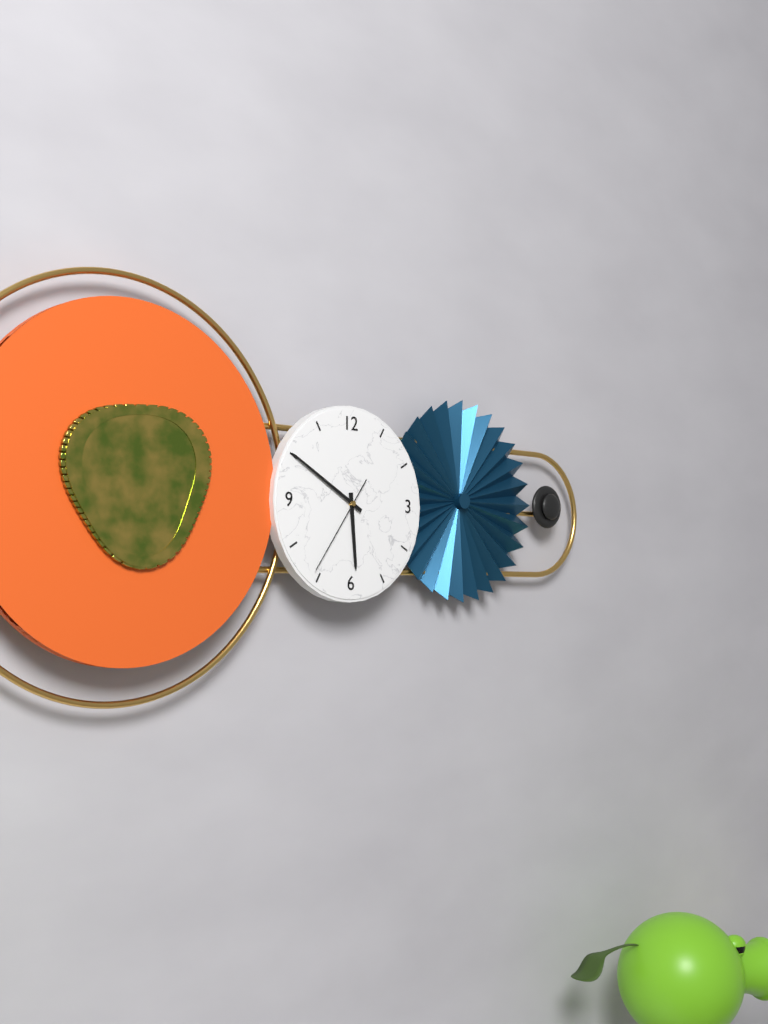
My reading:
**5:50:36**
